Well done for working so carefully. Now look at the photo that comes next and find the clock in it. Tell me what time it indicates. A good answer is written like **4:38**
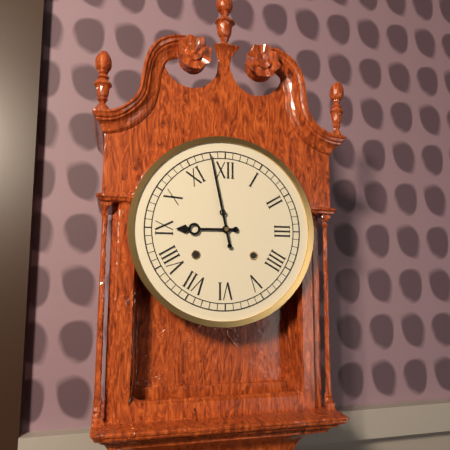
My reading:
**8:58**
